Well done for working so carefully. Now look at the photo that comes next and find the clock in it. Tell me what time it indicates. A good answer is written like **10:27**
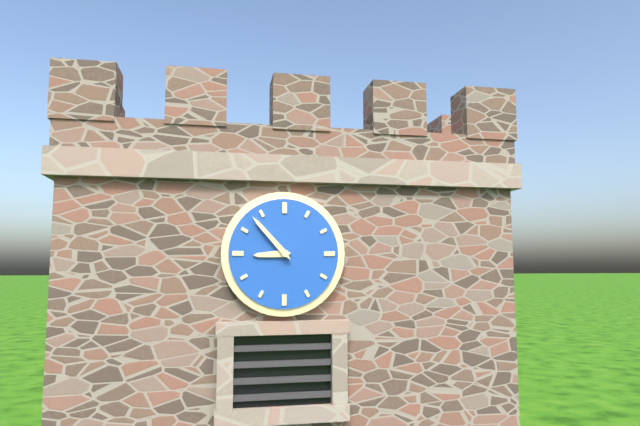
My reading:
**8:53**
